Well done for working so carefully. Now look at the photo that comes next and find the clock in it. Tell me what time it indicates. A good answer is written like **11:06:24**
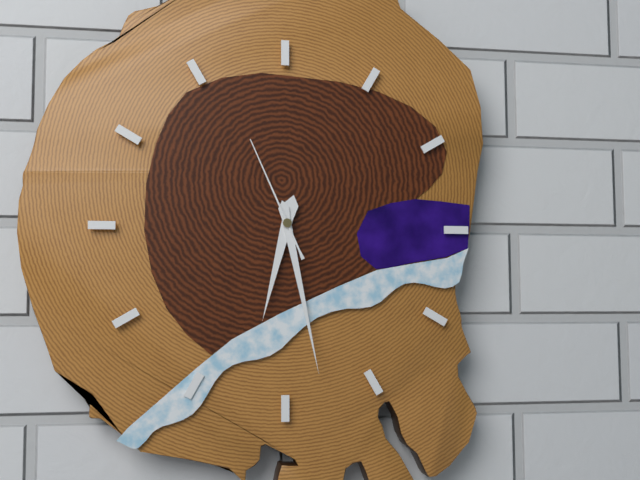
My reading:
**6:28:56**
